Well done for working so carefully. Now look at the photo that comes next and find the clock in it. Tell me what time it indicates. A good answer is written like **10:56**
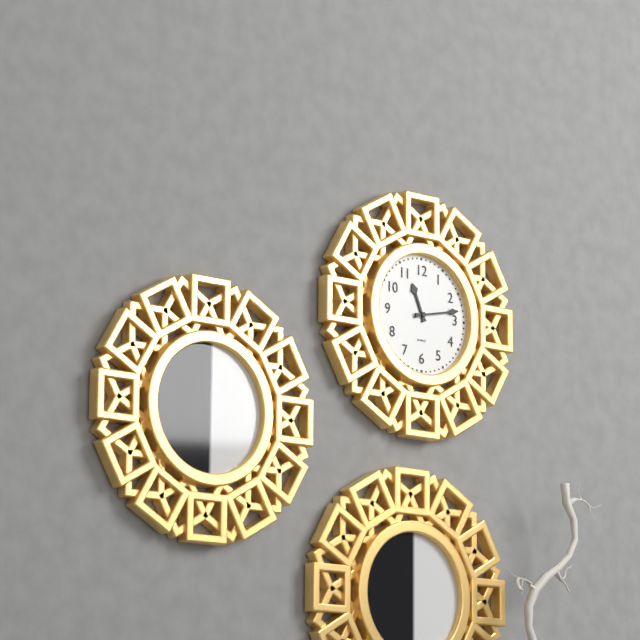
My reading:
**11:13**
